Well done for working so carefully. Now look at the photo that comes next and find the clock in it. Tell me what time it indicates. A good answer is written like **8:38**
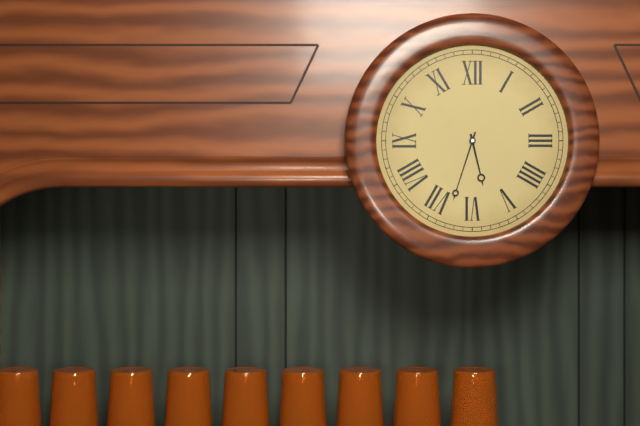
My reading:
**5:33**
